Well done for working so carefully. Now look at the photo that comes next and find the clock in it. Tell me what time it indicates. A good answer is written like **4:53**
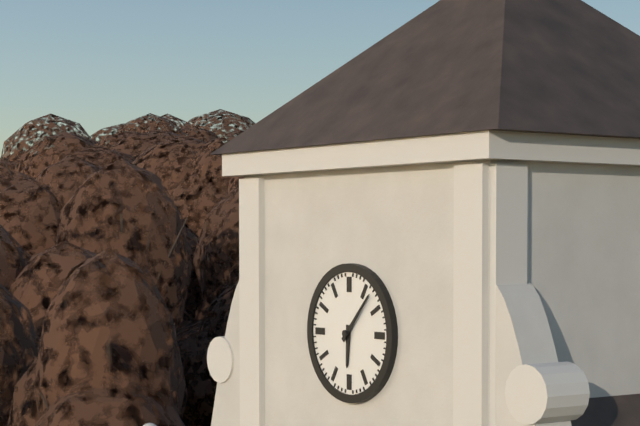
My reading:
**6:07**
